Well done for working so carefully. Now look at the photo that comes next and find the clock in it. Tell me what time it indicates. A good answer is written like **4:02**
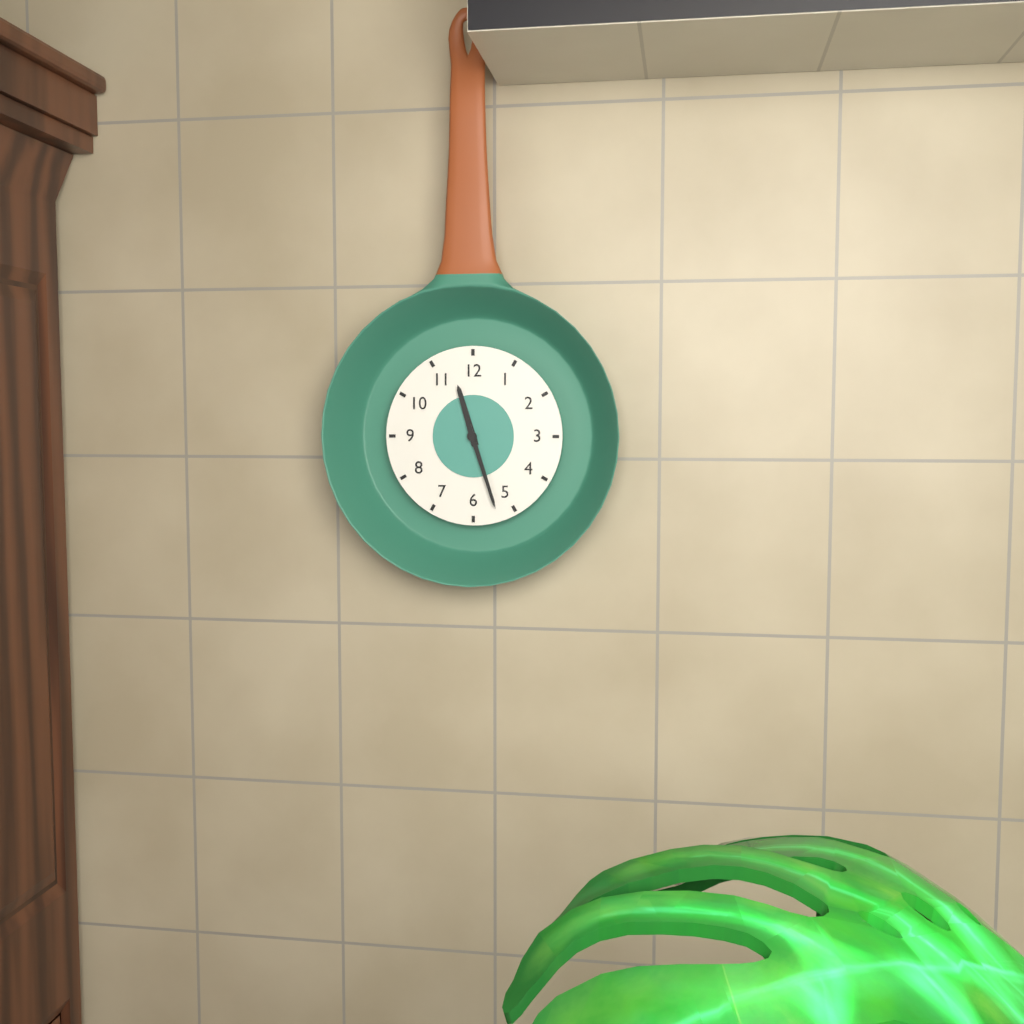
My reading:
**11:27**
